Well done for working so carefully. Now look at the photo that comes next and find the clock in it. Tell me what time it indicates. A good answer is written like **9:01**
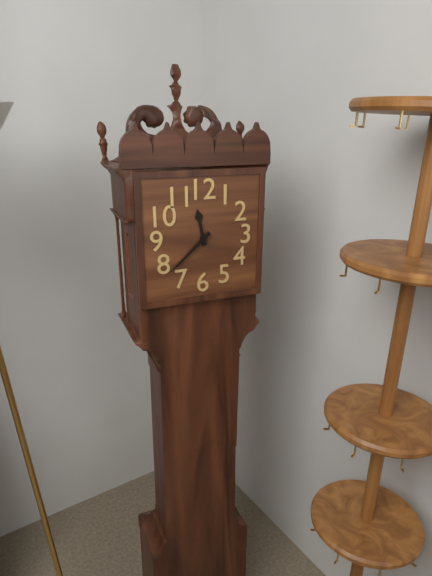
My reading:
**11:38**
